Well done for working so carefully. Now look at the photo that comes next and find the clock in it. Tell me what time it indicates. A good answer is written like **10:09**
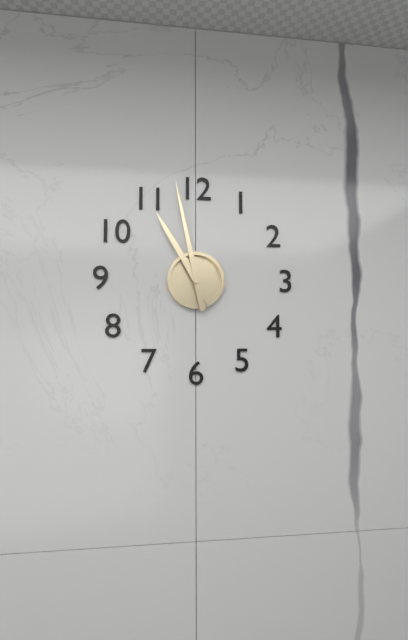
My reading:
**10:58**
